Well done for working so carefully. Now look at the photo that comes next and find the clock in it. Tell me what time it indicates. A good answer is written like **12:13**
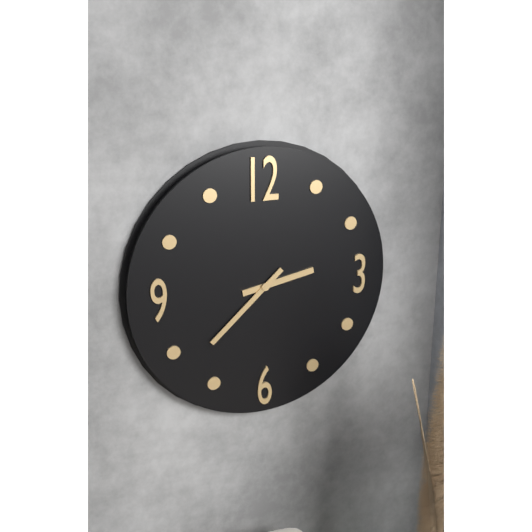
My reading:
**2:38**
